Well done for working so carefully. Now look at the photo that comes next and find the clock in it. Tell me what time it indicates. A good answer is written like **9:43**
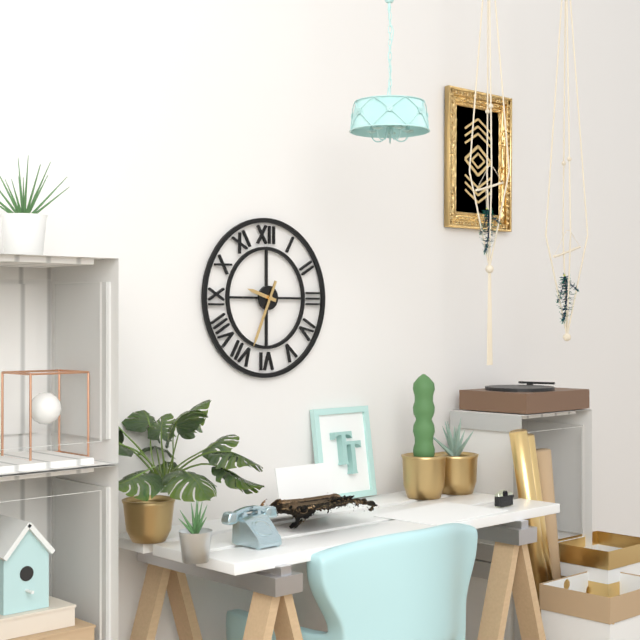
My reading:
**9:34**
